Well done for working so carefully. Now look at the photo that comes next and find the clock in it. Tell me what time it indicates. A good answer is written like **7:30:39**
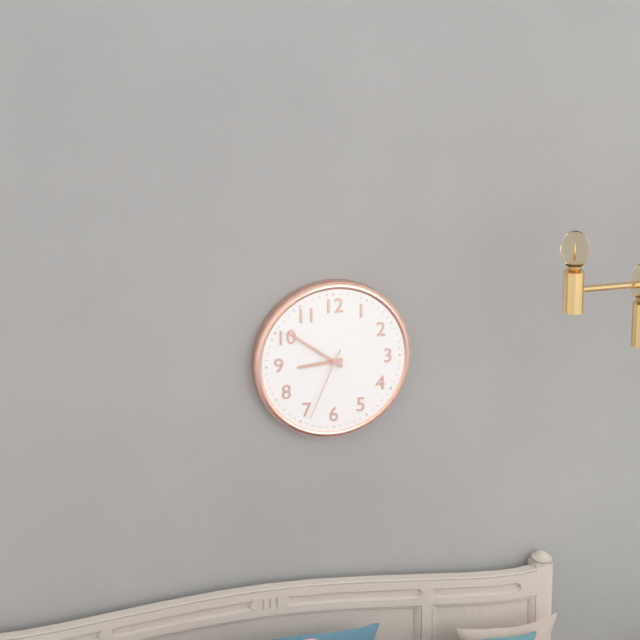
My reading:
**8:51:34**
